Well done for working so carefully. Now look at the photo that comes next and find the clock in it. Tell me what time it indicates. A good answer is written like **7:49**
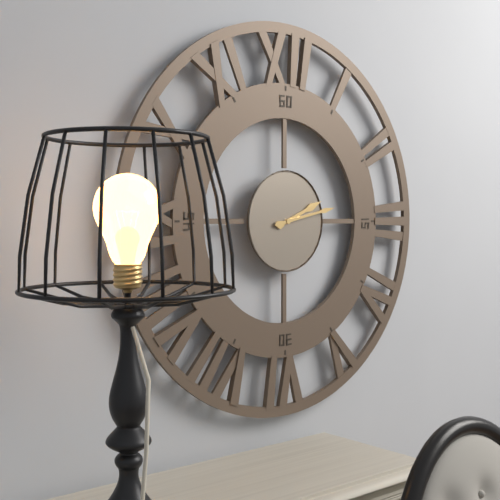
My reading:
**2:13**
